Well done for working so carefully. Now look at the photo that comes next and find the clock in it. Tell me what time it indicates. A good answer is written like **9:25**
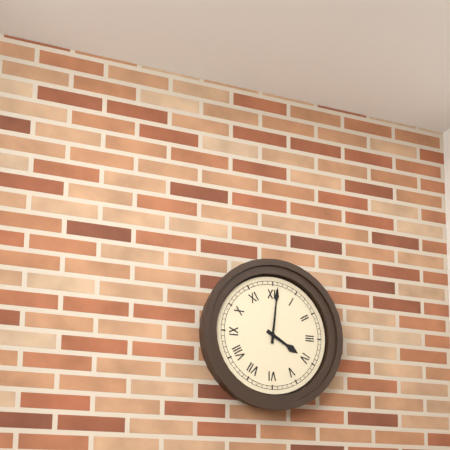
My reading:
**4:01**
